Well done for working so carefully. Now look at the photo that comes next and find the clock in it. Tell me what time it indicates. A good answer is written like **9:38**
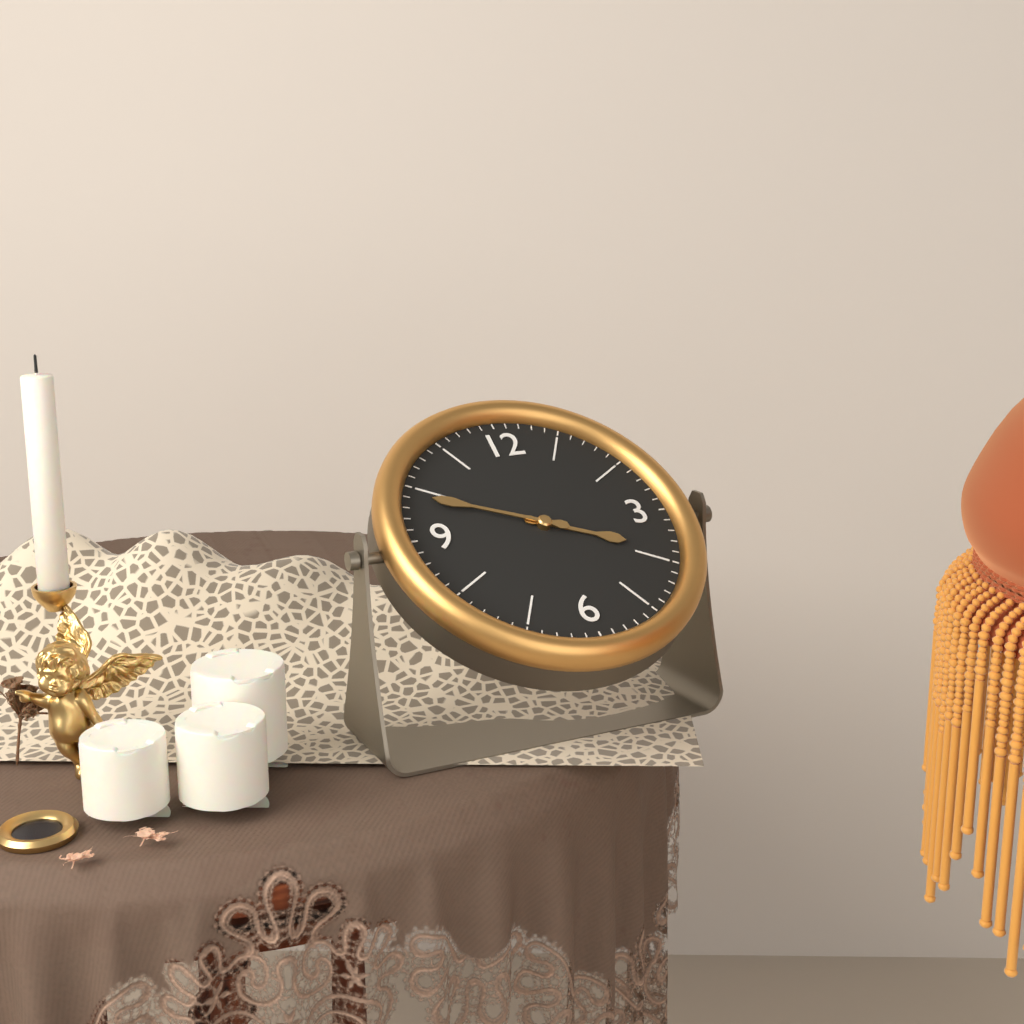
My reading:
**3:49**
